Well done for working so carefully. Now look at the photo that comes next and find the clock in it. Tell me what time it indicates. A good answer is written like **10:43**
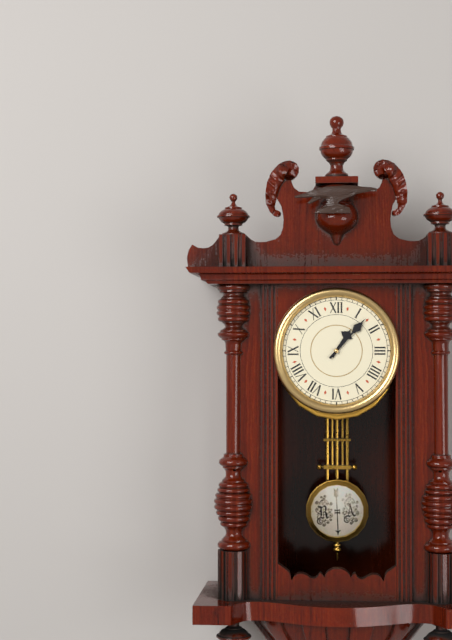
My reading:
**1:07**
